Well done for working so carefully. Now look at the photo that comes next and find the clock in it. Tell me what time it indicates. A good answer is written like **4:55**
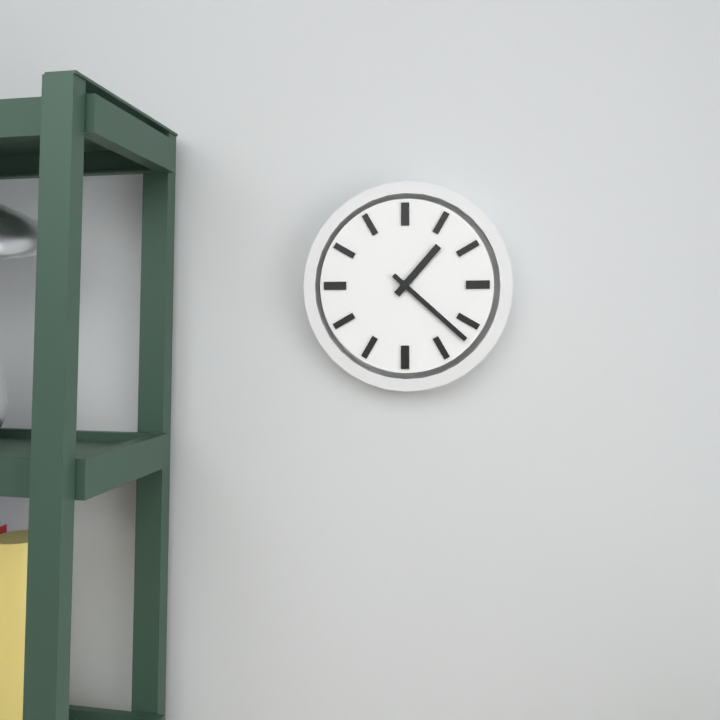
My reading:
**1:22**
